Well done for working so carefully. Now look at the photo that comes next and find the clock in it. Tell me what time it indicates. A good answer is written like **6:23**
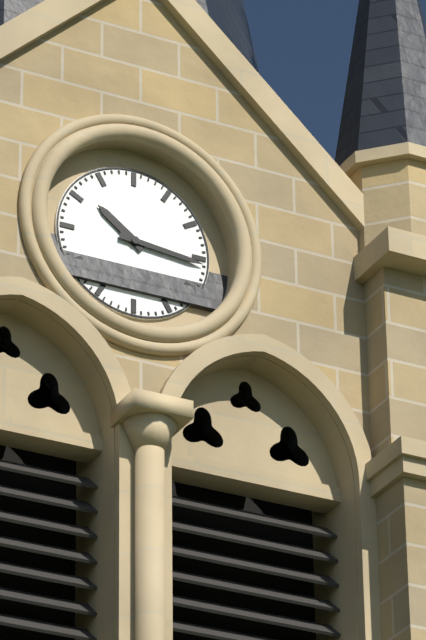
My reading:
**10:16**
